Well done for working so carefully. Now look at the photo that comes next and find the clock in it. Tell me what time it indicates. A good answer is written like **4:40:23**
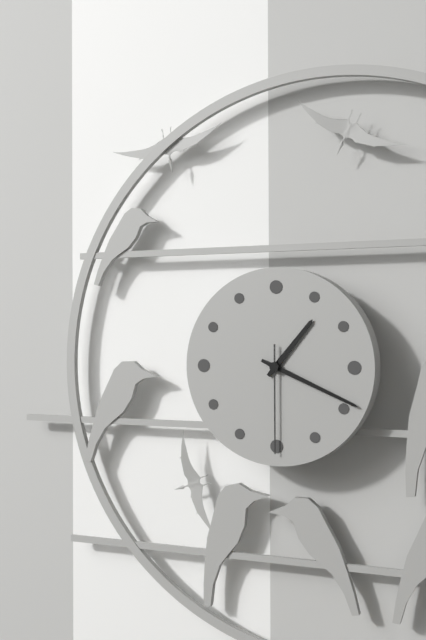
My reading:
**1:19:30**
